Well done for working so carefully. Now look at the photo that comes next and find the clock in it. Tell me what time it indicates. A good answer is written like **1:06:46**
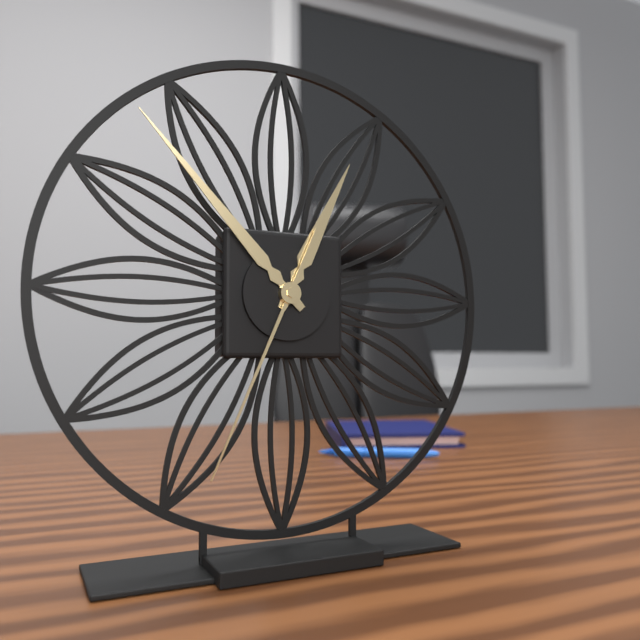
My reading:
**12:53:34**
